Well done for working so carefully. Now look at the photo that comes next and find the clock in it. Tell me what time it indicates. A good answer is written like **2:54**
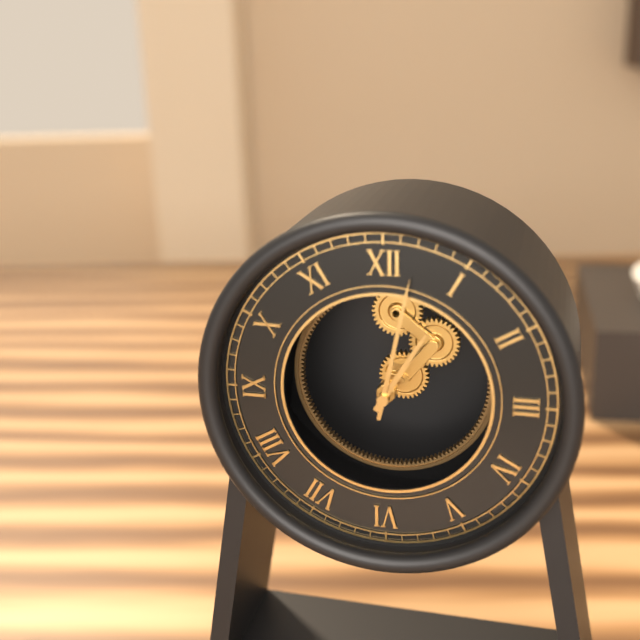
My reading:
**1:02**
